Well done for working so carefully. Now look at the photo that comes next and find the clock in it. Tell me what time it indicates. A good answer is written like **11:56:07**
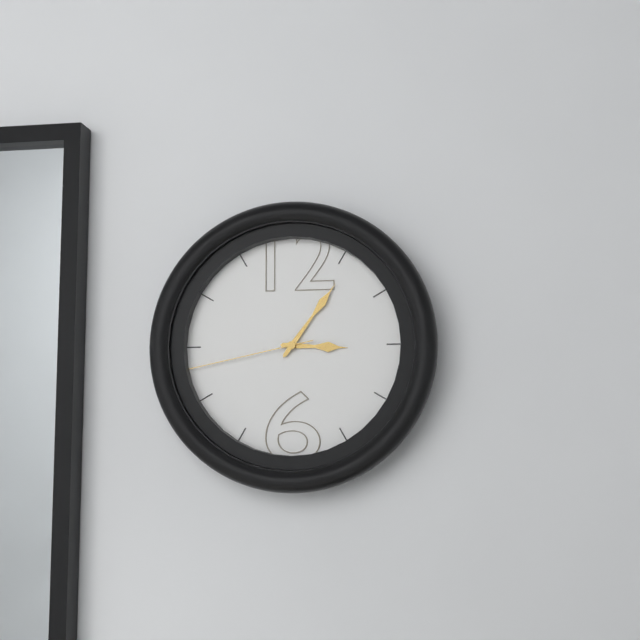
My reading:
**3:06:43**
